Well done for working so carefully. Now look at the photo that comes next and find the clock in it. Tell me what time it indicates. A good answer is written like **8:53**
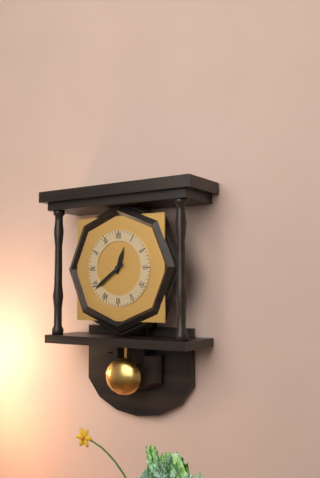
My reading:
**12:39**
